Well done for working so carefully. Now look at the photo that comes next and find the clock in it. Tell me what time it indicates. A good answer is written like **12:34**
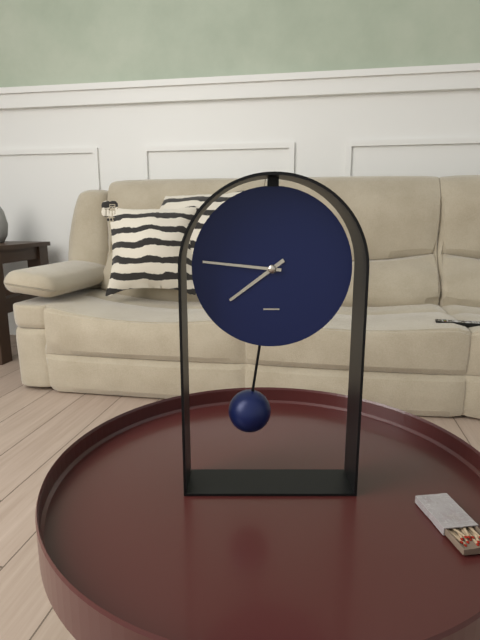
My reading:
**7:46**
